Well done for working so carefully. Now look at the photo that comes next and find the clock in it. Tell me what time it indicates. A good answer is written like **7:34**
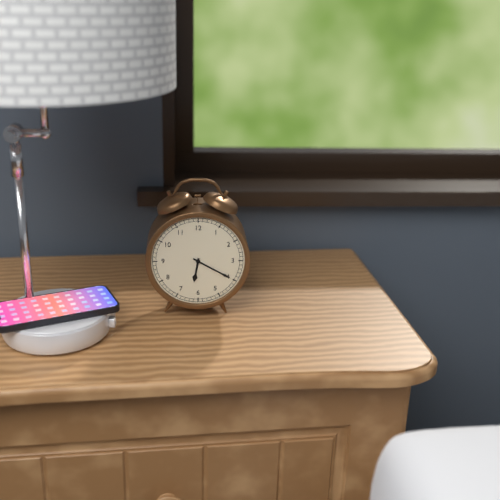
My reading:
**6:20**
